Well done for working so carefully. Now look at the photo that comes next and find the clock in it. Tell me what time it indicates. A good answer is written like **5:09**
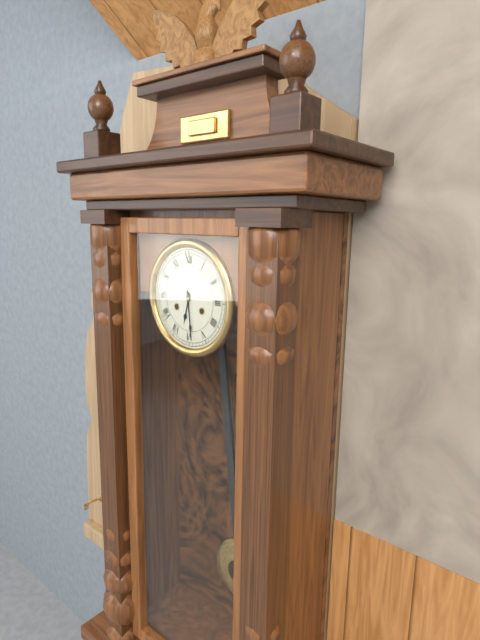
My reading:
**6:29**
